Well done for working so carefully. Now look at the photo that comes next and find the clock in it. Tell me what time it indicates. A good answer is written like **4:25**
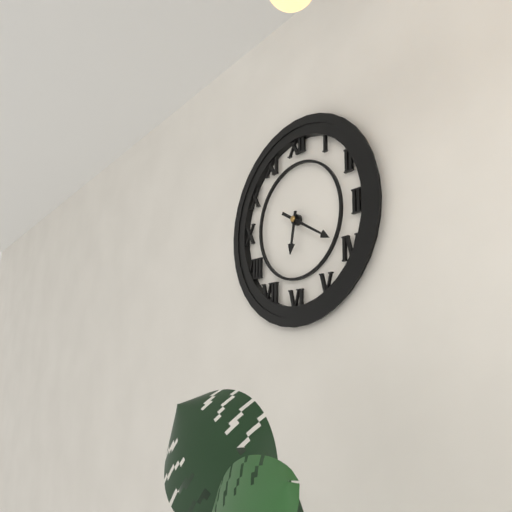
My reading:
**6:20**
